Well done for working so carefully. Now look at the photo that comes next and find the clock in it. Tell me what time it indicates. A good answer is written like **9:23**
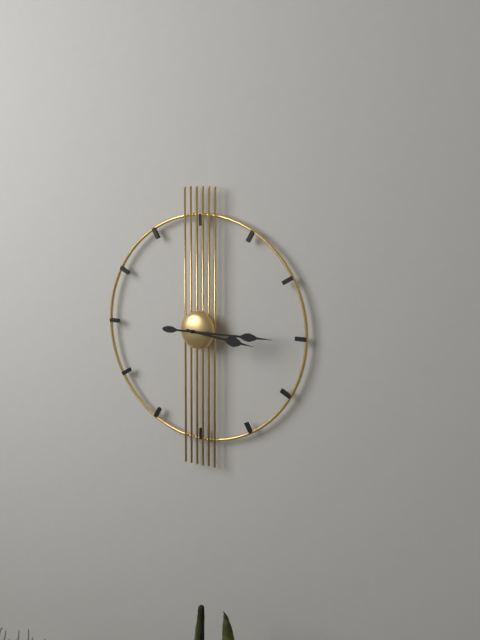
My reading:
**3:15**
